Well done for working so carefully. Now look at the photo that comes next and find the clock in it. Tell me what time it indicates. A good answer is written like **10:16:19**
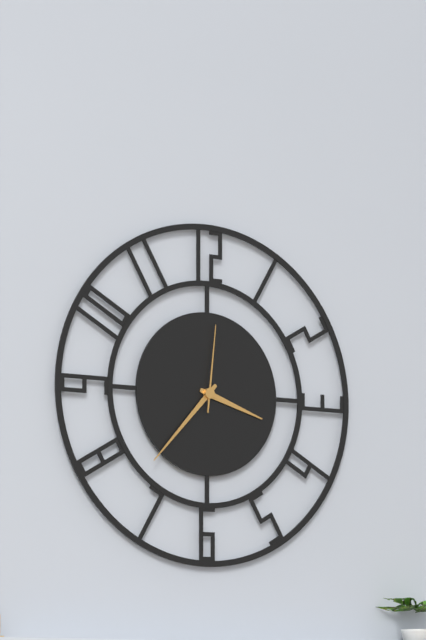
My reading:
**3:37:01**
